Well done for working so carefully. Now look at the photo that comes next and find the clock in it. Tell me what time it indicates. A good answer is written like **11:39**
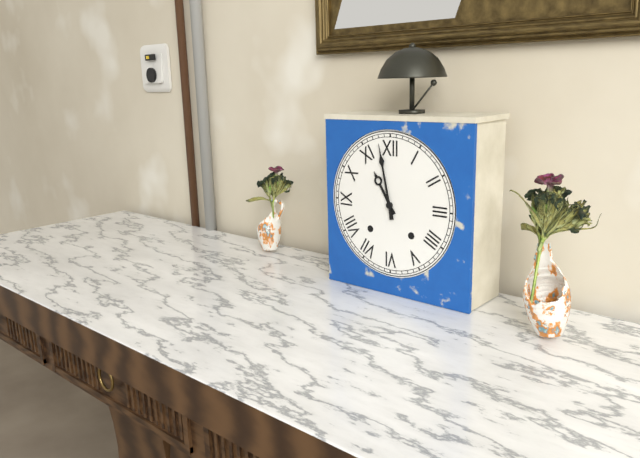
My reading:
**10:58**
